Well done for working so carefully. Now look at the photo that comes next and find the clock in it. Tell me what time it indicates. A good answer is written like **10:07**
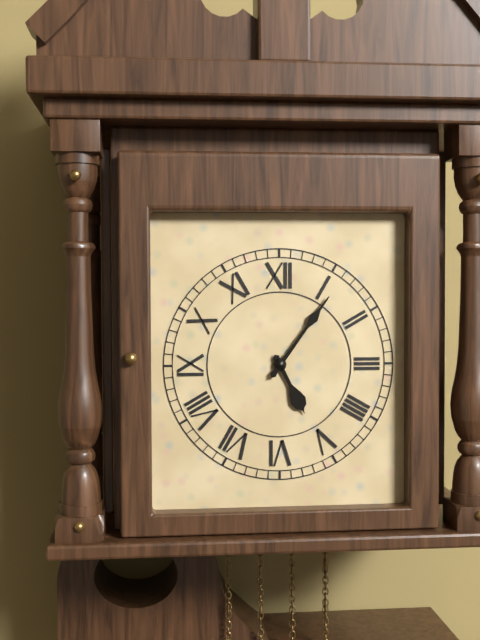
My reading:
**5:06**
